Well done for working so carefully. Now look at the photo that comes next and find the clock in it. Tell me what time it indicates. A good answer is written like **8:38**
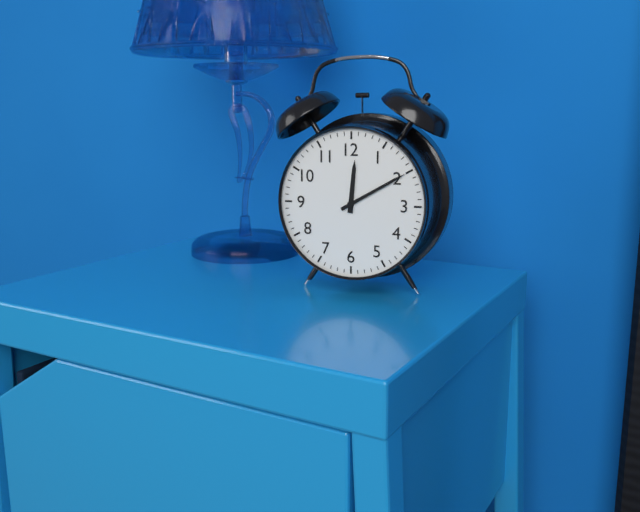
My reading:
**12:10**
